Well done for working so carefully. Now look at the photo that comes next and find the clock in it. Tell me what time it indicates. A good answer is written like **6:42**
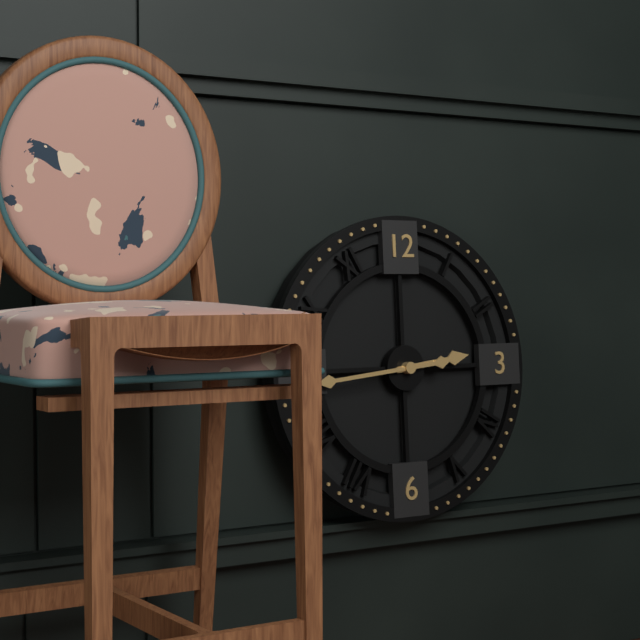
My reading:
**2:44**
